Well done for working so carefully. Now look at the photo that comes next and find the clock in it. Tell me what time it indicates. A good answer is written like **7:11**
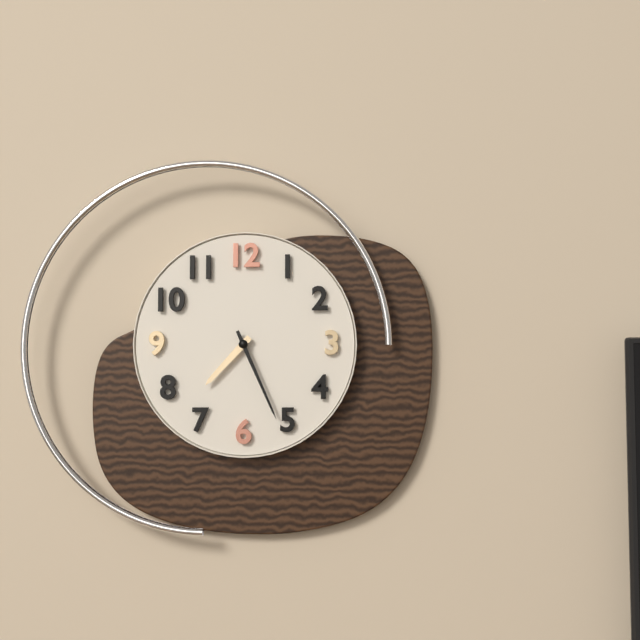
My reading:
**7:26**
